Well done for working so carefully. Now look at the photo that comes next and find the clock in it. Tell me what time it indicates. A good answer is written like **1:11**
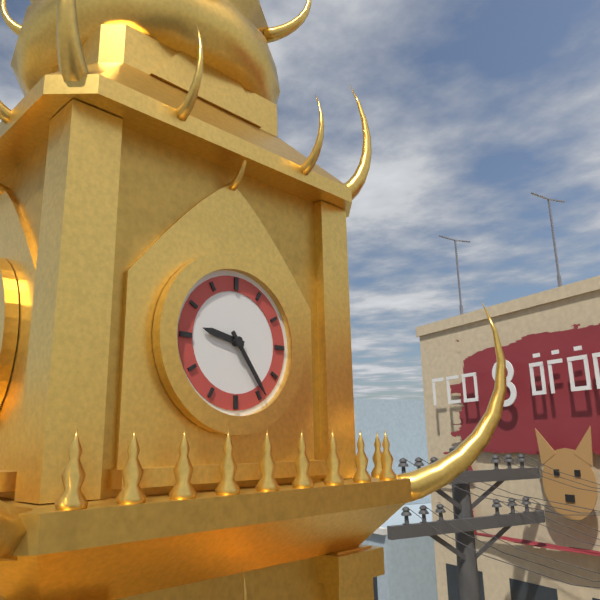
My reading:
**9:24**
